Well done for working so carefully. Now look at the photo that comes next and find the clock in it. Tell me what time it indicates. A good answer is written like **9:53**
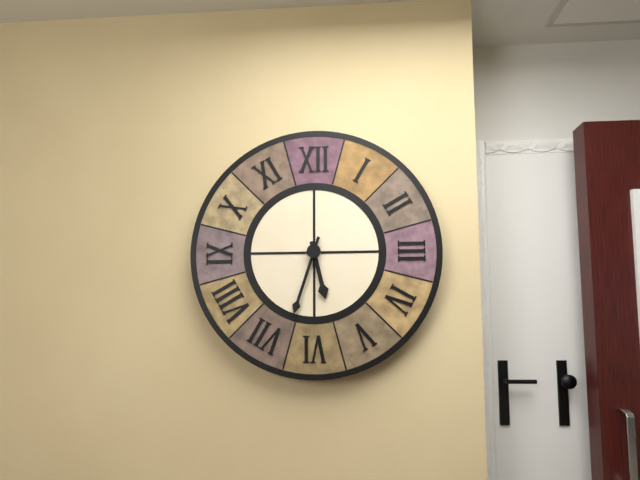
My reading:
**5:33**
